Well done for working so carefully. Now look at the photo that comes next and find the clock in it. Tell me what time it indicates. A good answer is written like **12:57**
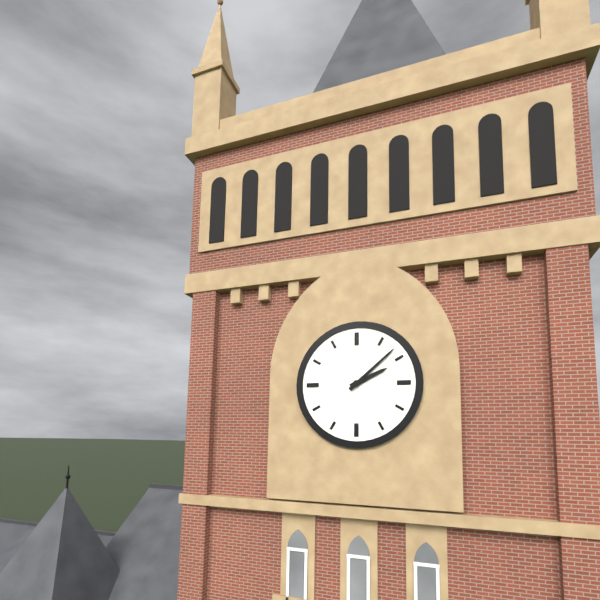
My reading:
**2:08**
